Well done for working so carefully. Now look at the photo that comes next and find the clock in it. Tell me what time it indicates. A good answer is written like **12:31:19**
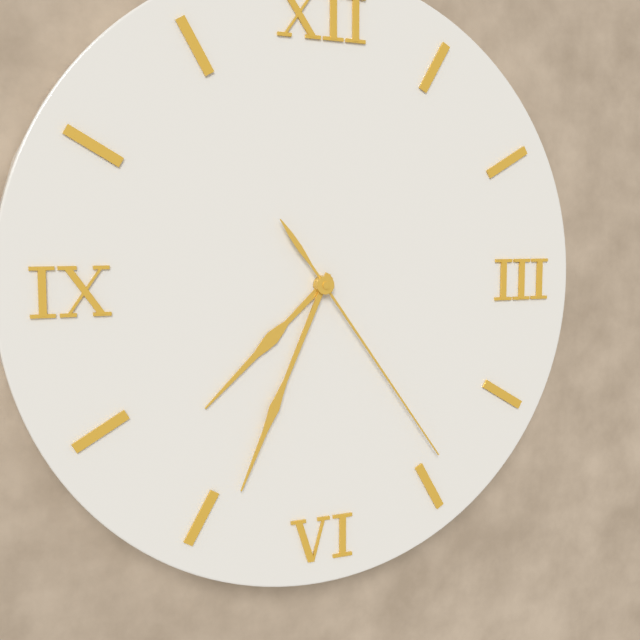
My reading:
**7:34:24**
